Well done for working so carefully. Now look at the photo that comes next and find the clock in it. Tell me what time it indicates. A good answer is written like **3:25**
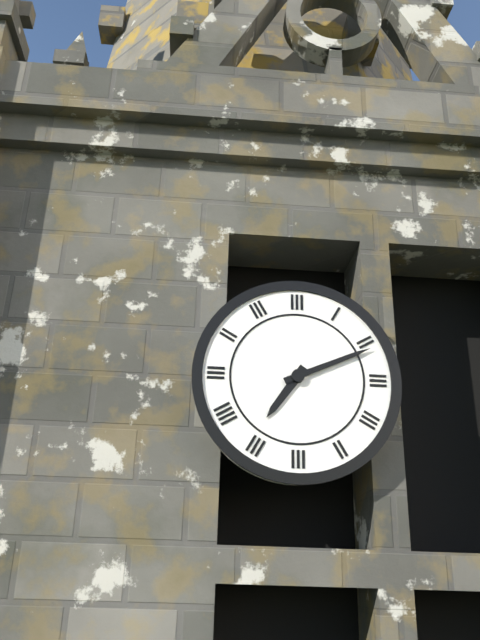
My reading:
**7:11**
